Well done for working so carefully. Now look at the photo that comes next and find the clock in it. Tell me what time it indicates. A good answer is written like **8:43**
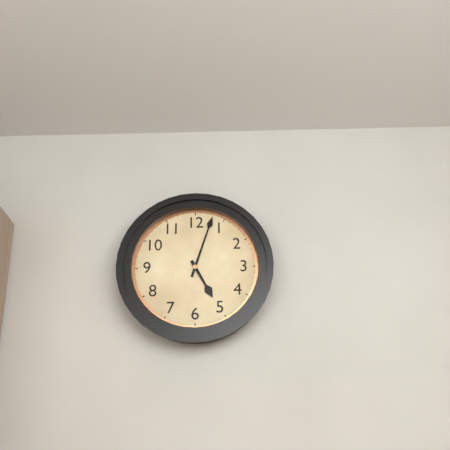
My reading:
**5:03**
